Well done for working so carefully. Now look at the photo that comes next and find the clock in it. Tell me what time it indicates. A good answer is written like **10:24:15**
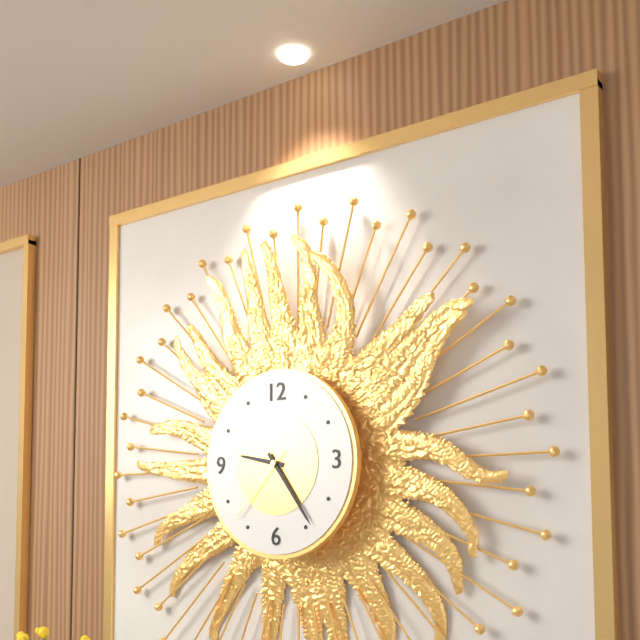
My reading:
**9:24:37**
